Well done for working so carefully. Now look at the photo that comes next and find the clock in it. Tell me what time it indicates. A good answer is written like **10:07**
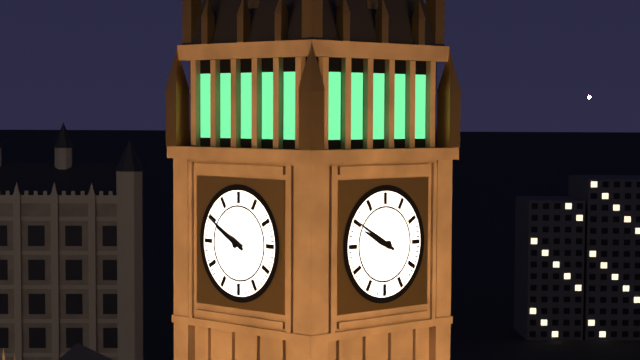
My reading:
**9:50**
